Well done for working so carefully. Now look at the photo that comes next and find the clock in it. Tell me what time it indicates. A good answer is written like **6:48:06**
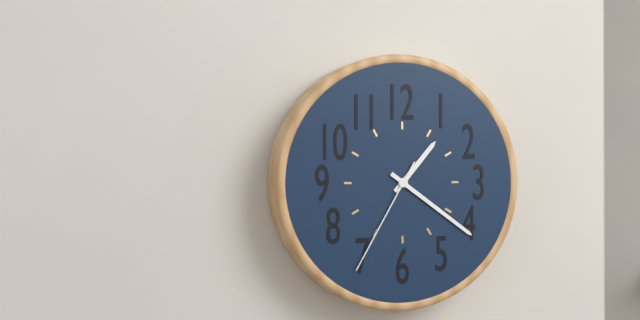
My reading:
**1:21:35**
